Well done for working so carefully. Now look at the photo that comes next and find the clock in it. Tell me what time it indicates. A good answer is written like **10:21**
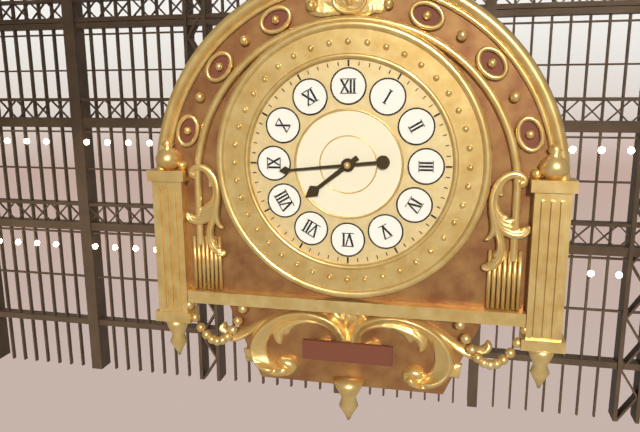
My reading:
**7:44**
